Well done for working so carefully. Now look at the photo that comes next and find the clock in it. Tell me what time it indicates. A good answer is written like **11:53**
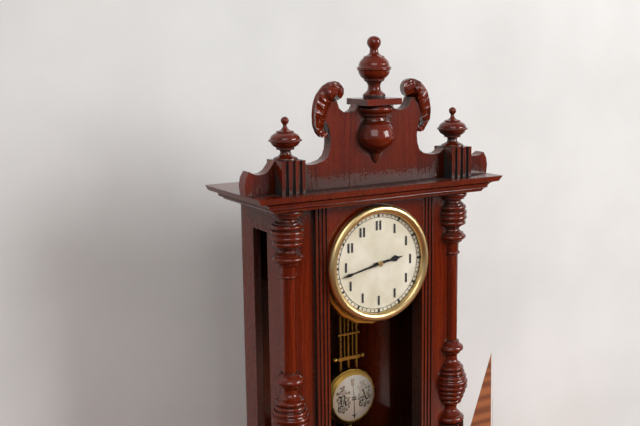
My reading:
**2:43**
